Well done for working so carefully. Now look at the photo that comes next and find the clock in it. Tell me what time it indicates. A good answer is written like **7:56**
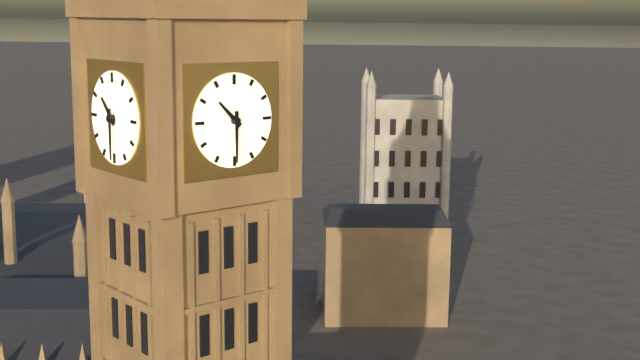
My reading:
**10:30**
